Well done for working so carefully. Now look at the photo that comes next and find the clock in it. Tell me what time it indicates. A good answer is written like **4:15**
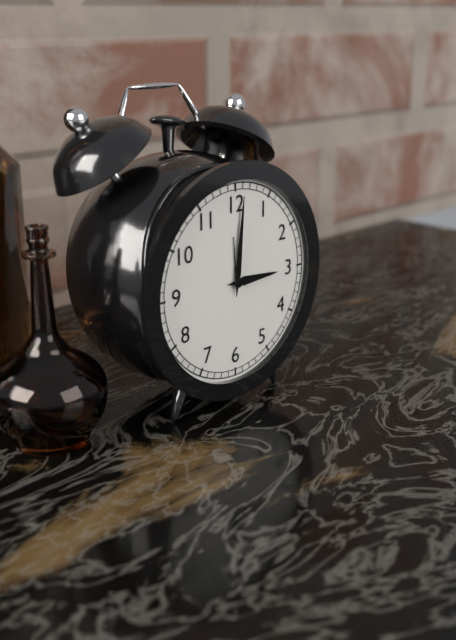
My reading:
**3:01**
